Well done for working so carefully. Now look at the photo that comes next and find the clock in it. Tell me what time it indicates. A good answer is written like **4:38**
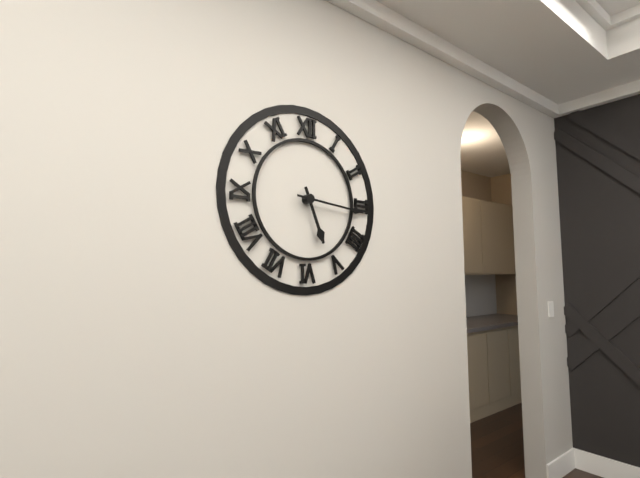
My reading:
**5:16**
